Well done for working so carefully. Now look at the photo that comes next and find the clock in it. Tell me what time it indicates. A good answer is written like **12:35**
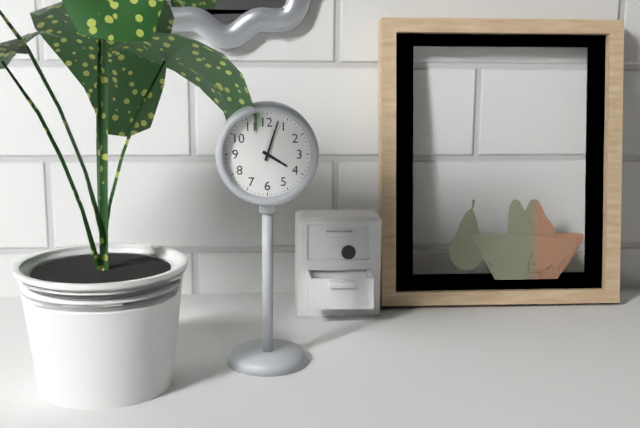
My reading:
**4:03**
